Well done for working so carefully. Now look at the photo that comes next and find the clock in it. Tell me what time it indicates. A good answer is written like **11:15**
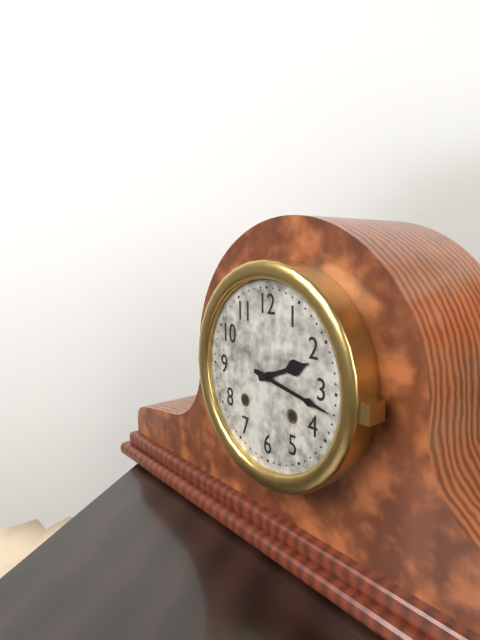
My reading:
**2:17**
